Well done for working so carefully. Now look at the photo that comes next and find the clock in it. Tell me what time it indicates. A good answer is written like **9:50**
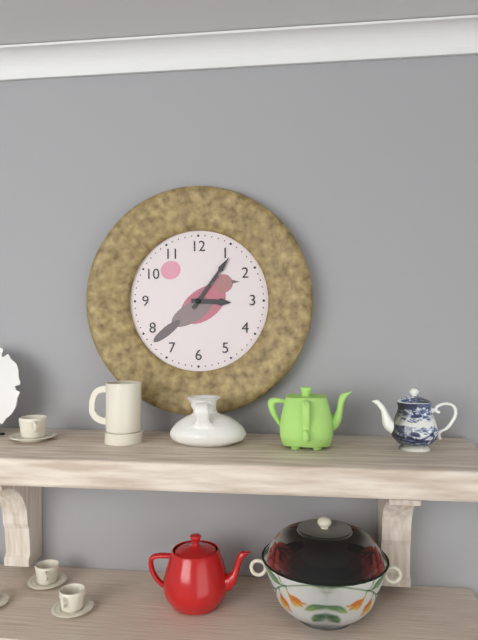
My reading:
**3:06**
